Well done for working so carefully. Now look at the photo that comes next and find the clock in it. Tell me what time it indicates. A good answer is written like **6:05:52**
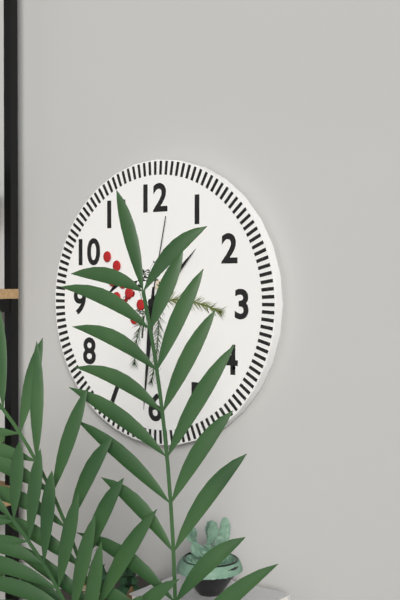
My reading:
**1:31:02**
